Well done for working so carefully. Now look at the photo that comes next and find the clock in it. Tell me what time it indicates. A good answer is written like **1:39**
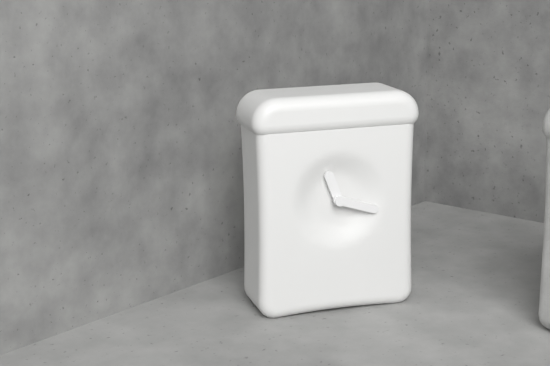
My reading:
**11:18**
